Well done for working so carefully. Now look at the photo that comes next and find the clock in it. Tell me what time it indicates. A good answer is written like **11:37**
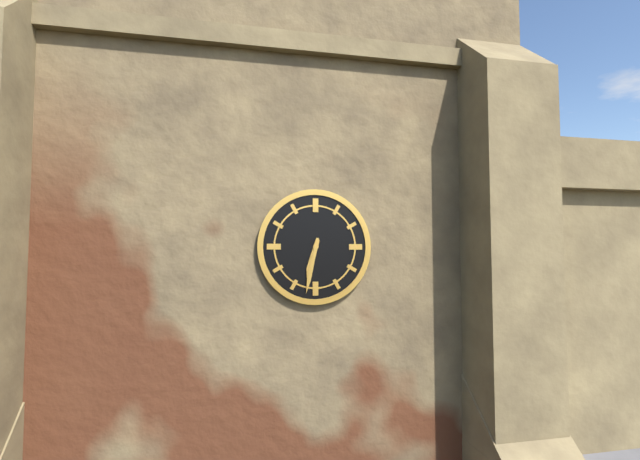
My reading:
**6:32**
